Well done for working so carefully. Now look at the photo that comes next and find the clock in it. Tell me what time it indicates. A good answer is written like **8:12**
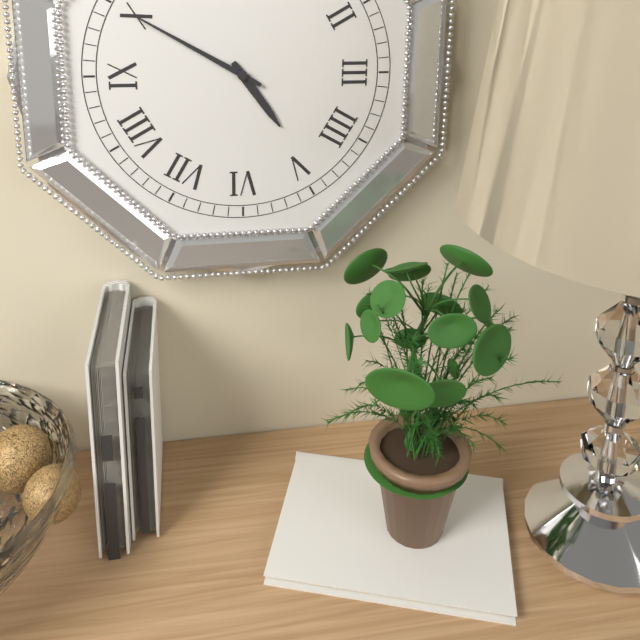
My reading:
**4:50**
